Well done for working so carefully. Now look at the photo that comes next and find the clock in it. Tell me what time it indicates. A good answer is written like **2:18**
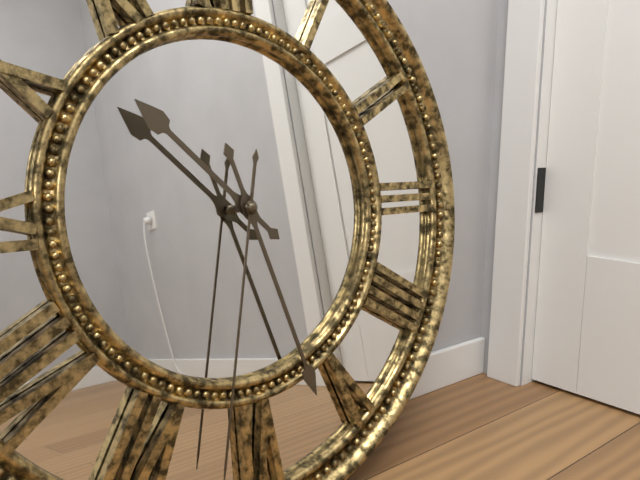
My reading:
**10:27**
